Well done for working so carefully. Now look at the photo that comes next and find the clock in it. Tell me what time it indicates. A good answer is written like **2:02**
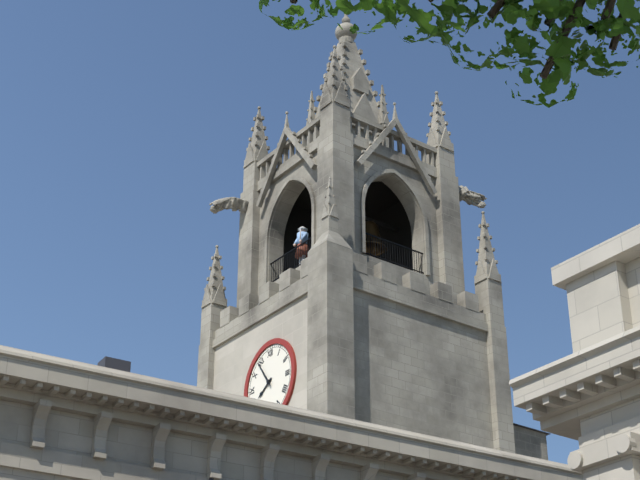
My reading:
**7:54**
